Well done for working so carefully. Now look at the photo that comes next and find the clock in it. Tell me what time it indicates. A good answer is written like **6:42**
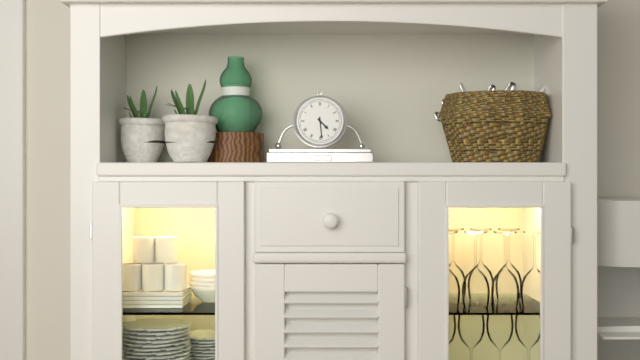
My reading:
**4:29**
